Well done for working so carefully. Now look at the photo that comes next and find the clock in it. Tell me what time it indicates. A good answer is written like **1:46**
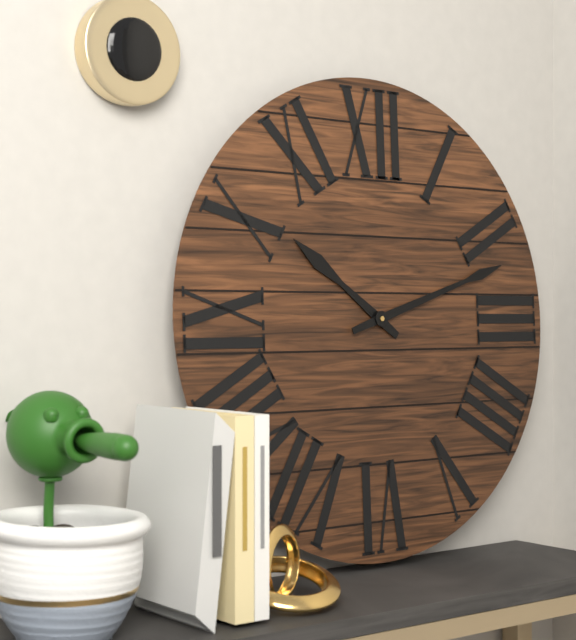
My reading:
**10:12**
